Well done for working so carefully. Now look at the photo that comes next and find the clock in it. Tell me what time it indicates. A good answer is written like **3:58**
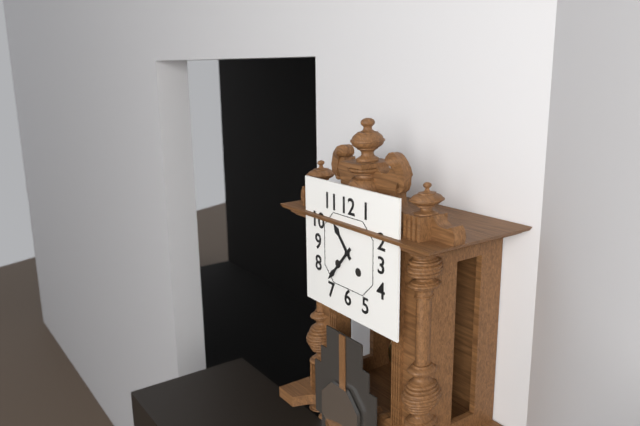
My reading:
**10:37**
